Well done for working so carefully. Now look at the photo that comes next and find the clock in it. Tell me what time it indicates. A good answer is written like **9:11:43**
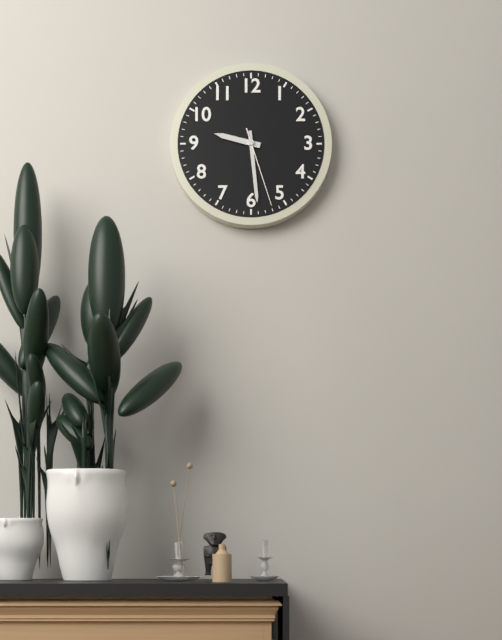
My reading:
**9:29:27**
